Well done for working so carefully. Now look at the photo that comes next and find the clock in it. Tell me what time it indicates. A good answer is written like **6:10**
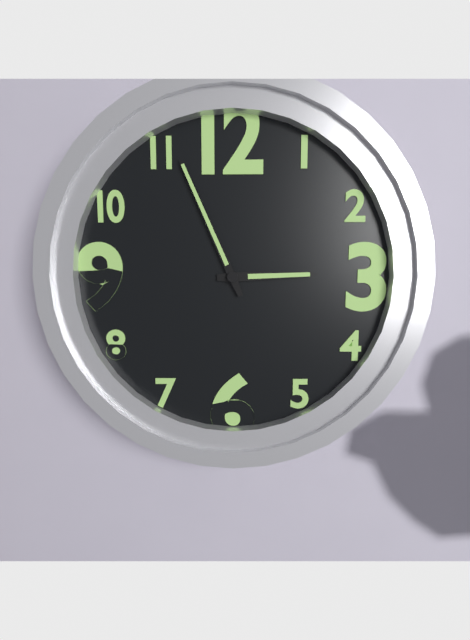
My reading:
**2:56**
